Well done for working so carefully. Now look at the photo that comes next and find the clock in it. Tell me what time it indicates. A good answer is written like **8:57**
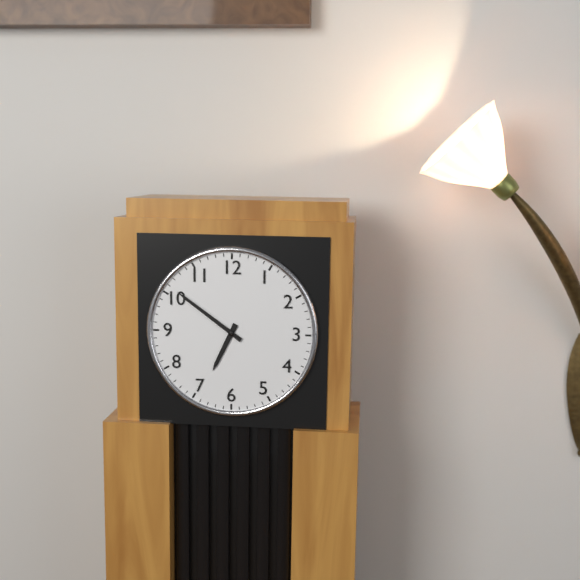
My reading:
**6:51**
